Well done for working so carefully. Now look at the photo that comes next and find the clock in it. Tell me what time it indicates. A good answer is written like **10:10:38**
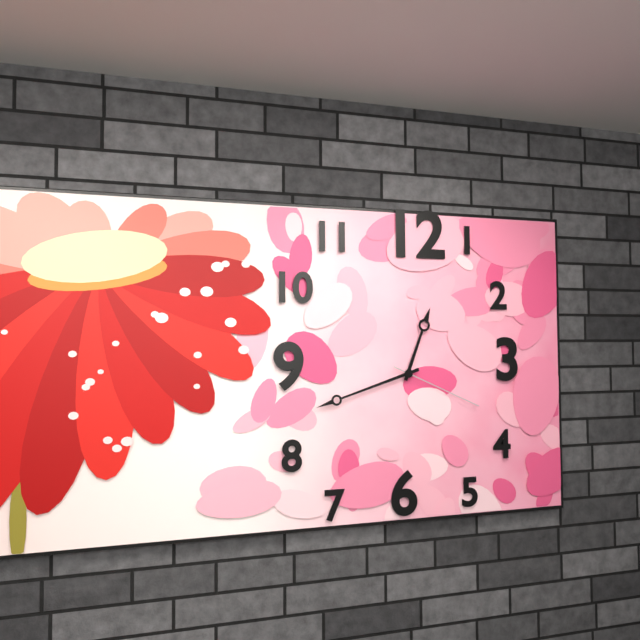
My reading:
**12:42:19**
